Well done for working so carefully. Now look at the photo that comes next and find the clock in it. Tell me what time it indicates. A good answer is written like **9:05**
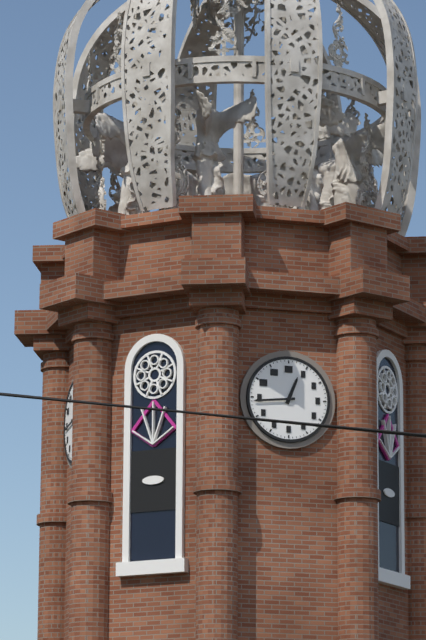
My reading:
**12:44**
